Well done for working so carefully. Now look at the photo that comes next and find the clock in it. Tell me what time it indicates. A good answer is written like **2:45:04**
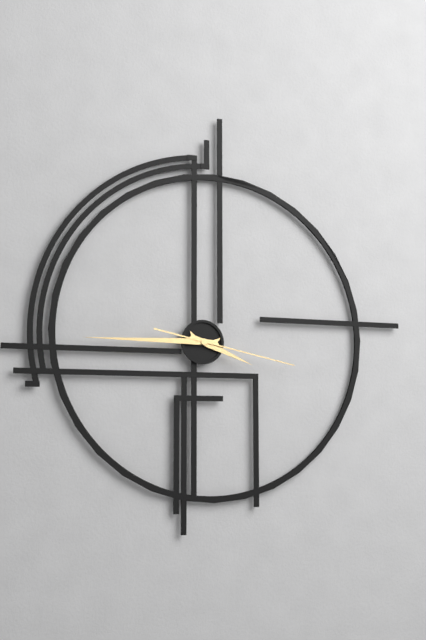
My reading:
**3:45:17**
